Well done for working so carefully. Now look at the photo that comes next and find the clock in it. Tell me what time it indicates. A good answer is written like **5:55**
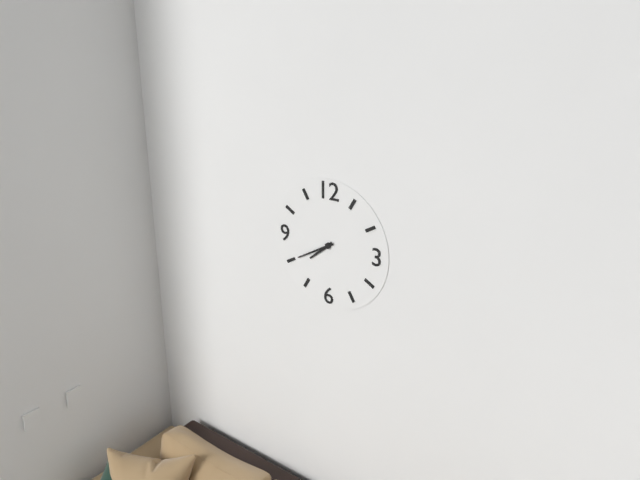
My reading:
**7:40**
